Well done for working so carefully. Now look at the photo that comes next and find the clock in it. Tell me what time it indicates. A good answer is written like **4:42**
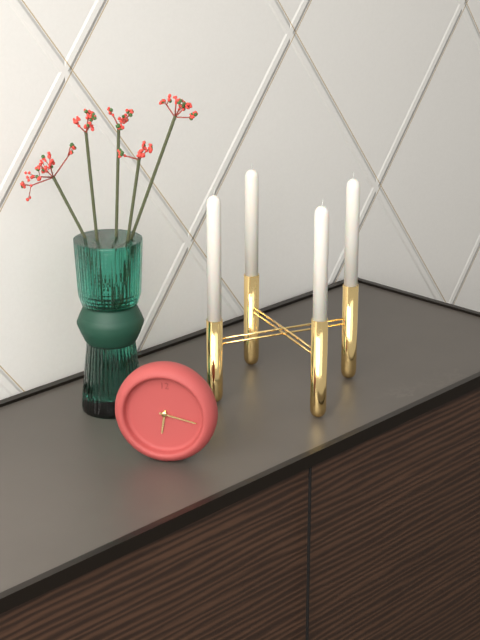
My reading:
**6:17**
